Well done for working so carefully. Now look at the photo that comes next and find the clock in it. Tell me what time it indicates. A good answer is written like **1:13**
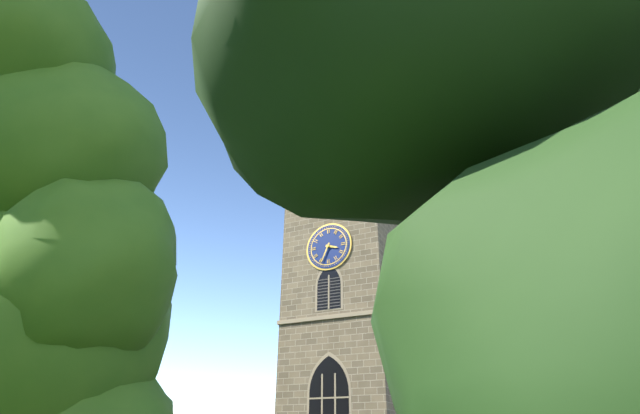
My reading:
**3:34**
